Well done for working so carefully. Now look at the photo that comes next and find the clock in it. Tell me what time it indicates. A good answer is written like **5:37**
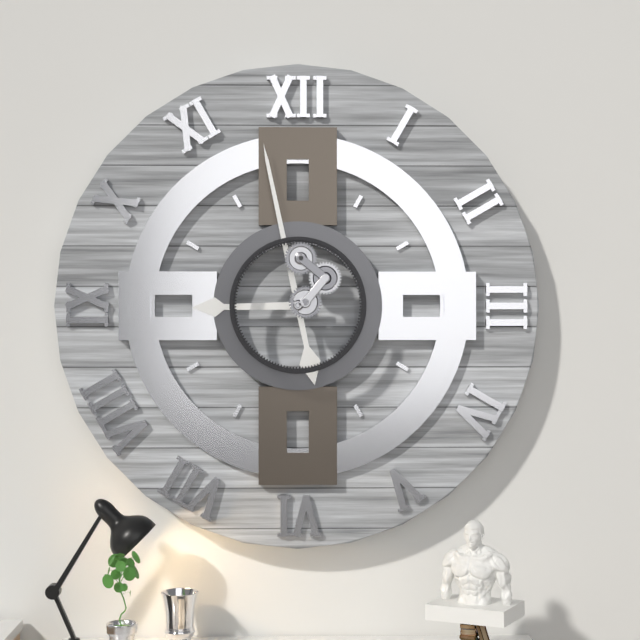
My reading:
**8:58**
